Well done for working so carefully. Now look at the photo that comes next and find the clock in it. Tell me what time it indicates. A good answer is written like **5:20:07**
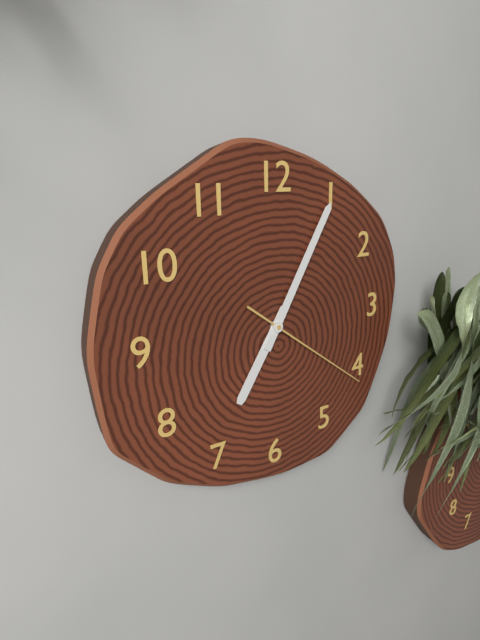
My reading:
**7:05:21**
